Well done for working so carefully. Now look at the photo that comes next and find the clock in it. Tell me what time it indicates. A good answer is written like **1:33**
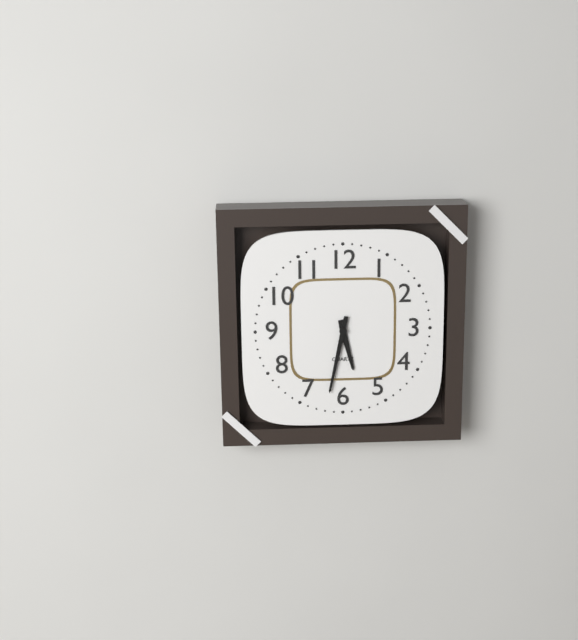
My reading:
**5:32**
